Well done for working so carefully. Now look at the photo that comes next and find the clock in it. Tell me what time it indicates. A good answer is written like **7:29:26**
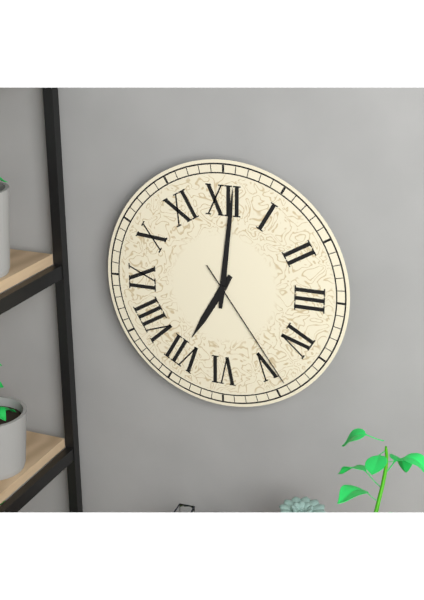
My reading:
**7:01:24**
